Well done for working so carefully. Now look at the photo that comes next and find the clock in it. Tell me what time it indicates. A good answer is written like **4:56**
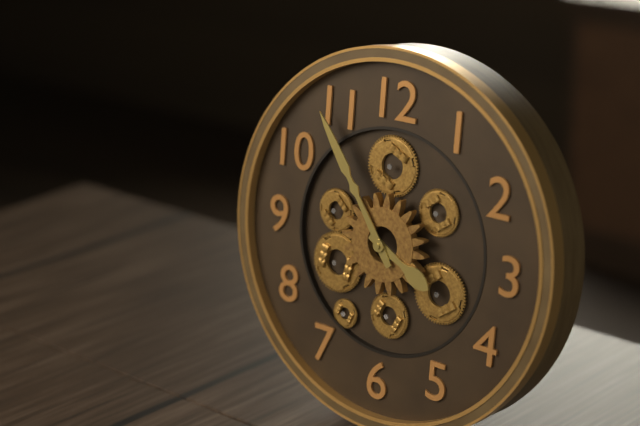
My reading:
**3:54**
